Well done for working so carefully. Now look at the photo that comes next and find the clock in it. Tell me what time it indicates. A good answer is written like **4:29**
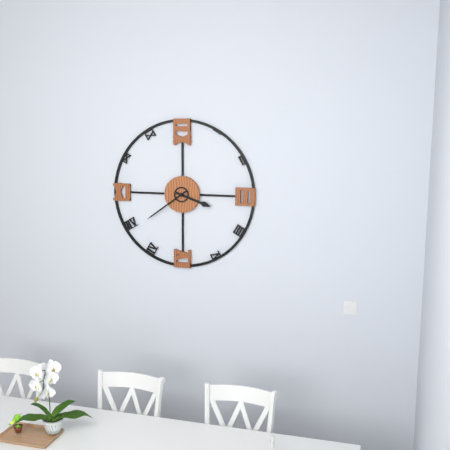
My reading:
**3:39**
